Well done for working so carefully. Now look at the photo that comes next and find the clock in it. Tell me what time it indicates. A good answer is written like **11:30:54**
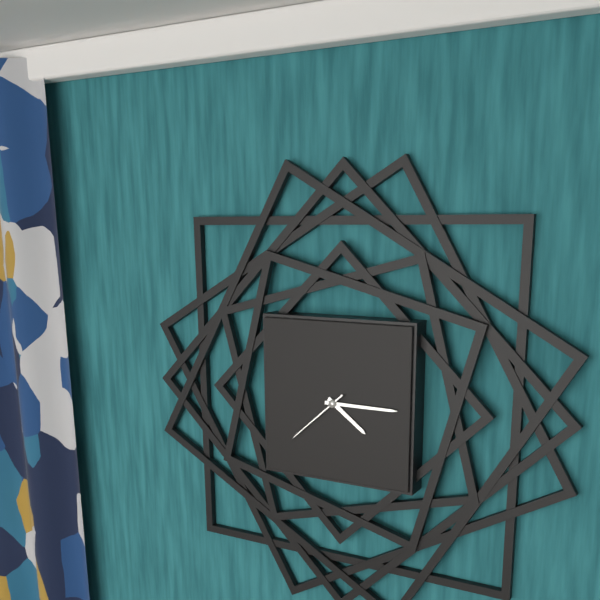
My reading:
**4:15:38**
